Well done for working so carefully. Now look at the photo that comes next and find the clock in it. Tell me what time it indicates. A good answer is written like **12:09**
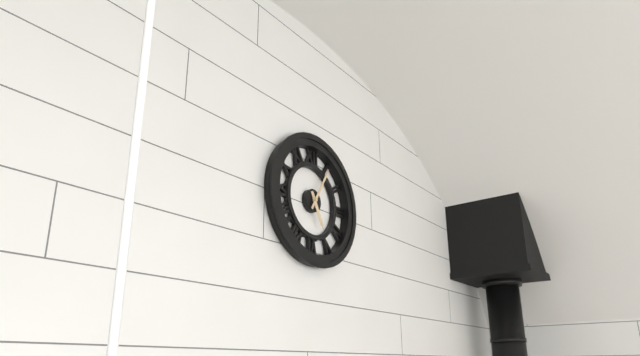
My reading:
**5:05**
